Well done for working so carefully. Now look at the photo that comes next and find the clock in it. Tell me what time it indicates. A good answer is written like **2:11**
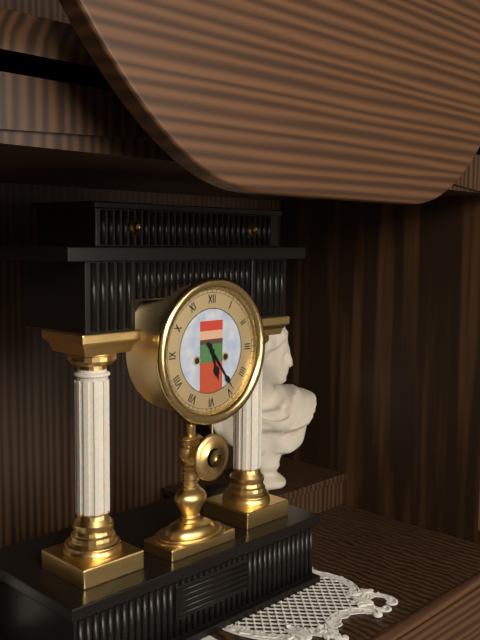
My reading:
**5:24**
